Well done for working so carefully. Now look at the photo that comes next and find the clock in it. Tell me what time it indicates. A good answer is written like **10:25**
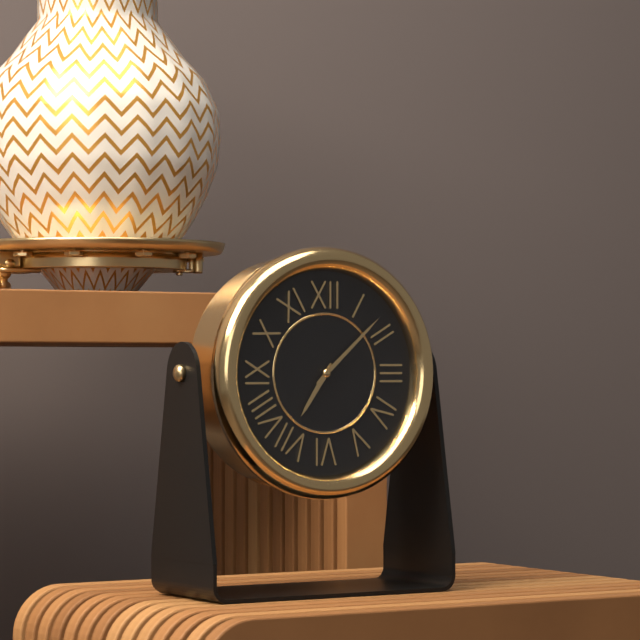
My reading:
**7:08**
